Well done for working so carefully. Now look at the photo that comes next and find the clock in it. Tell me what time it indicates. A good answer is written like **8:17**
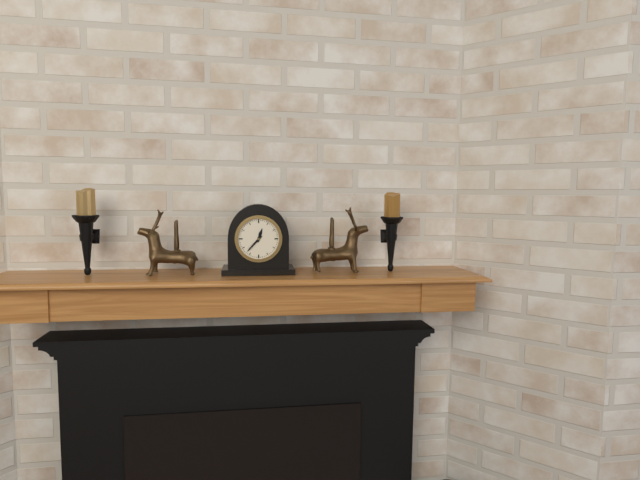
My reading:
**12:37**
